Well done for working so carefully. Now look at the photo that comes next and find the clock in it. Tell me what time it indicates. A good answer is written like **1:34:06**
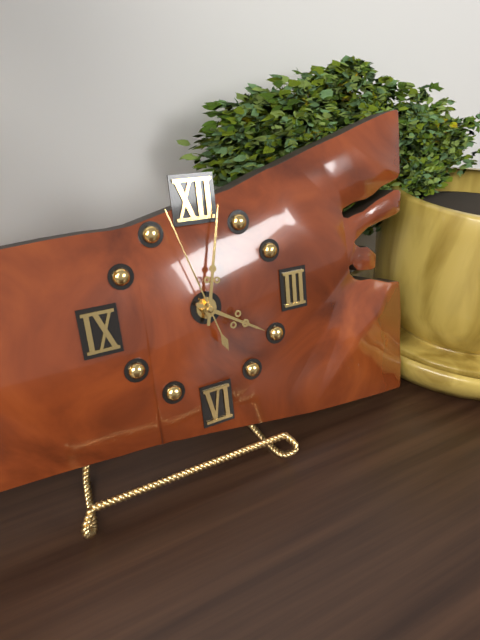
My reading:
**4:02:57**
